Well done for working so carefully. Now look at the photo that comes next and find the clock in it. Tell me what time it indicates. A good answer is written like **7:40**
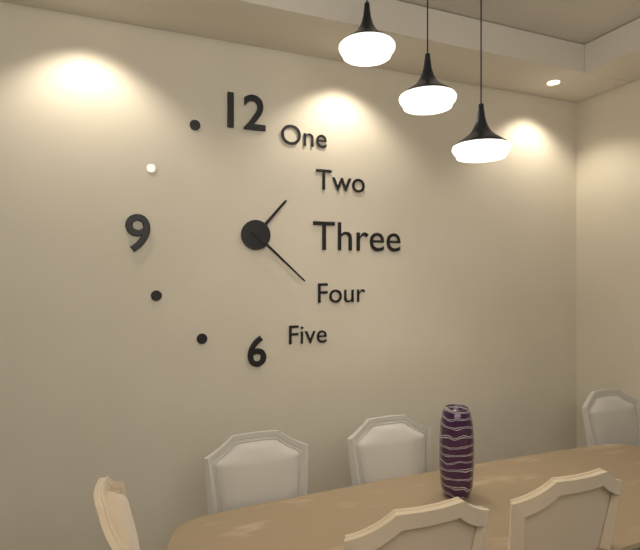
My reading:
**1:22**
